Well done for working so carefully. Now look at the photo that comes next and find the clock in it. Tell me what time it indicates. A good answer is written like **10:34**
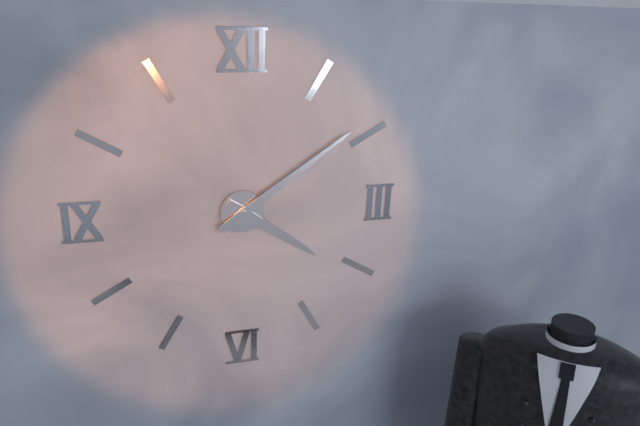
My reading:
**4:09**
